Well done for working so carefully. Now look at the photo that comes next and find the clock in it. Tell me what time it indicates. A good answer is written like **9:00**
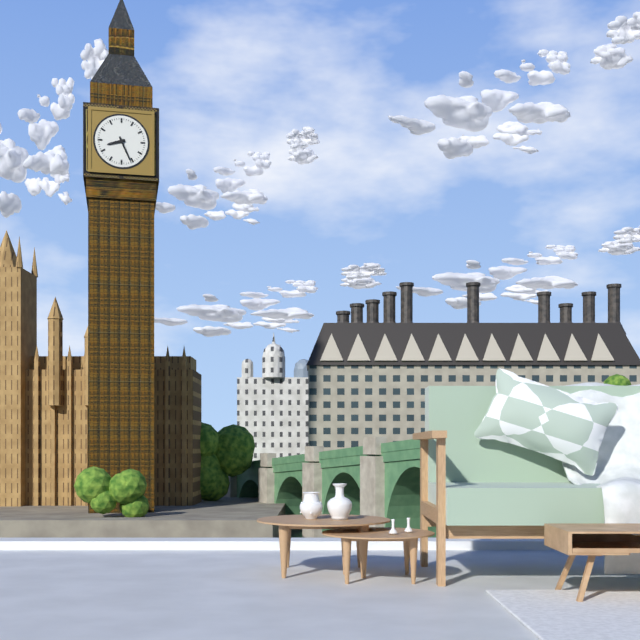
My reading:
**8:26**
